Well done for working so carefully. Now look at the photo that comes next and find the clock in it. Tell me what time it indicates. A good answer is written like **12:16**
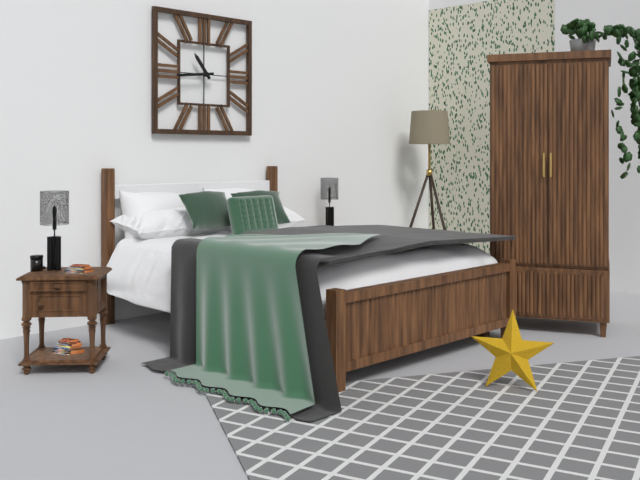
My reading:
**10:44**
